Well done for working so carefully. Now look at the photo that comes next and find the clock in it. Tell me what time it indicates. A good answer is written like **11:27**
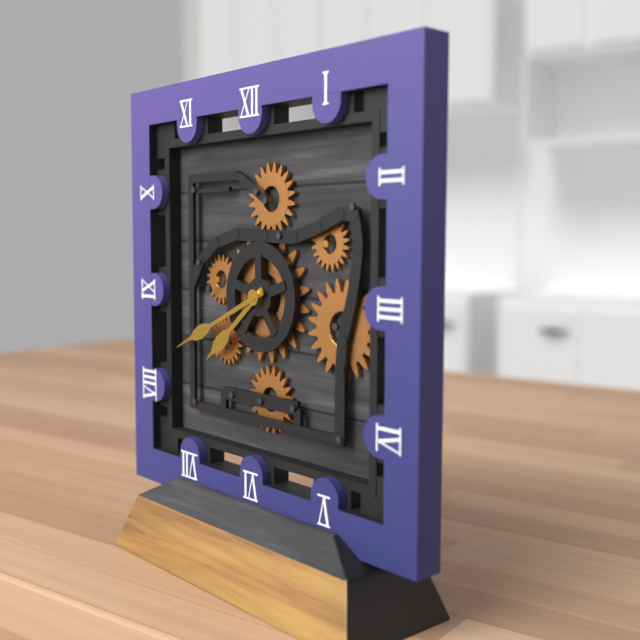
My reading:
**7:41**
